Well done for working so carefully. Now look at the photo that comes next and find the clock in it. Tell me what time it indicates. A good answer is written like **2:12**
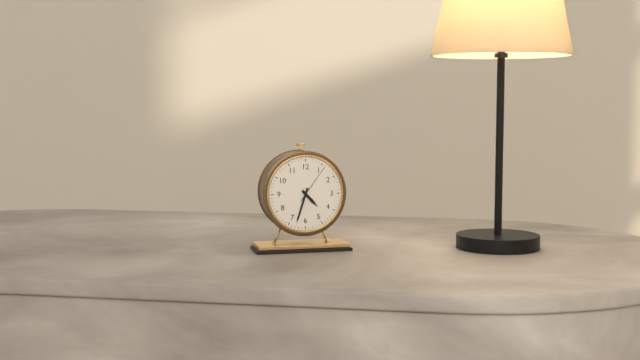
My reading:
**4:33**
